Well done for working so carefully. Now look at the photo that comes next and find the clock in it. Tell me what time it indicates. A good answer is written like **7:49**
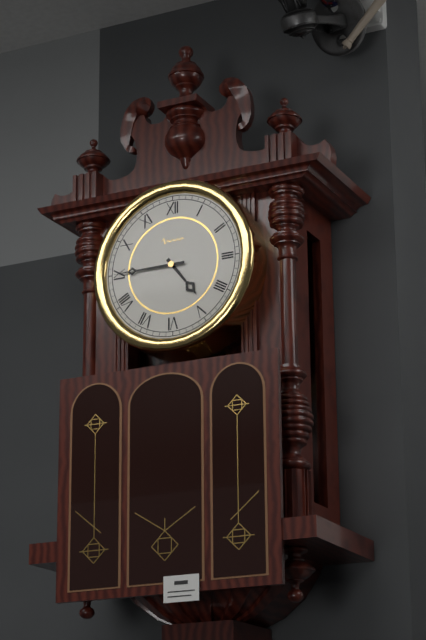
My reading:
**4:45**
